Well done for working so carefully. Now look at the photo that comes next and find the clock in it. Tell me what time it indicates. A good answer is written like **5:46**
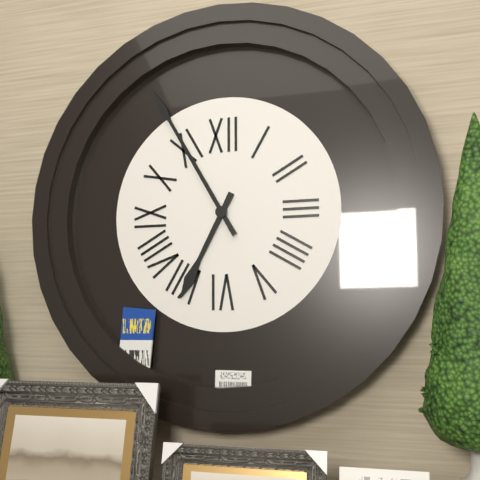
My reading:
**6:55**
